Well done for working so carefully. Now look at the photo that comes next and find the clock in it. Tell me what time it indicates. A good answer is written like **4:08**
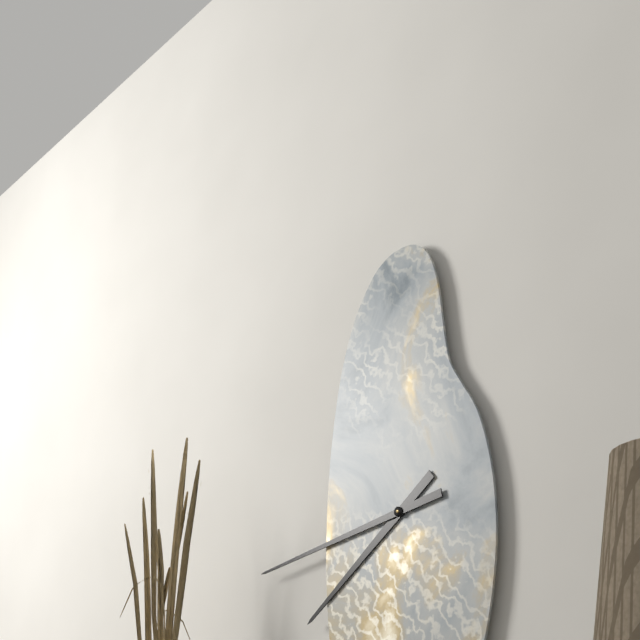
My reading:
**7:43**
